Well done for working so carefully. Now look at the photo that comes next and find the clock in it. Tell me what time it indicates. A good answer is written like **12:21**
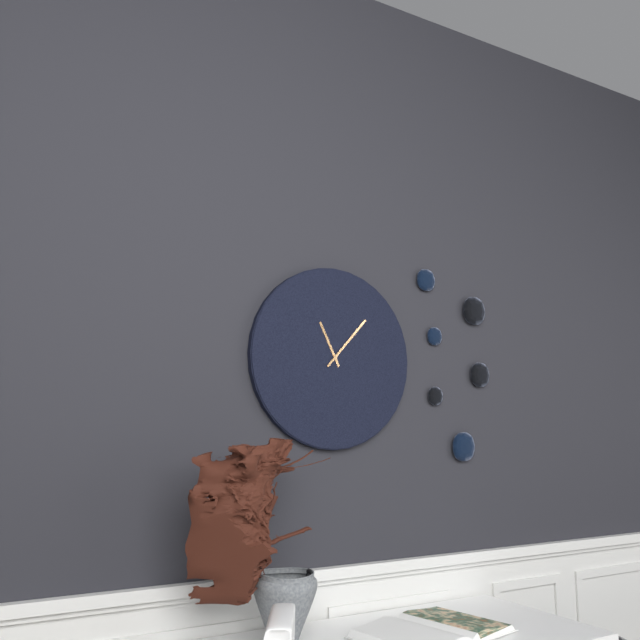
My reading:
**11:07**
